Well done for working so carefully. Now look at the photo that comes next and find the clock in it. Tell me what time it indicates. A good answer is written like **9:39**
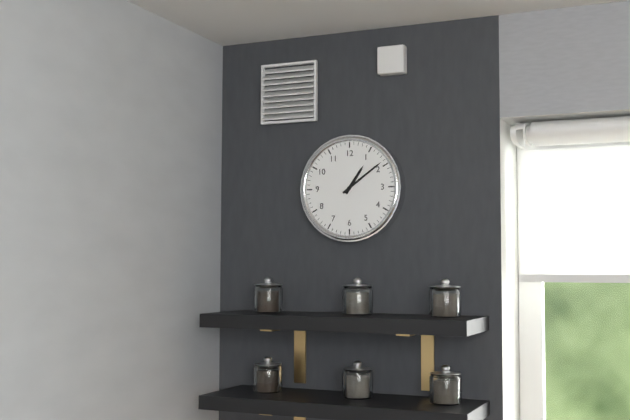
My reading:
**1:09**
